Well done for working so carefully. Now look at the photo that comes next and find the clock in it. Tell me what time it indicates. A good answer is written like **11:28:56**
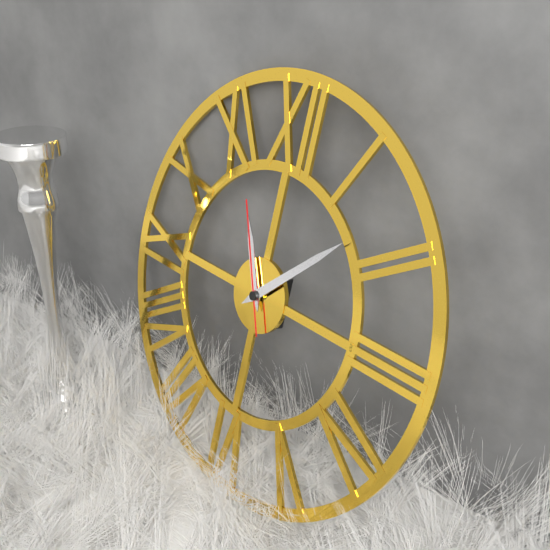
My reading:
**11:08:56**
